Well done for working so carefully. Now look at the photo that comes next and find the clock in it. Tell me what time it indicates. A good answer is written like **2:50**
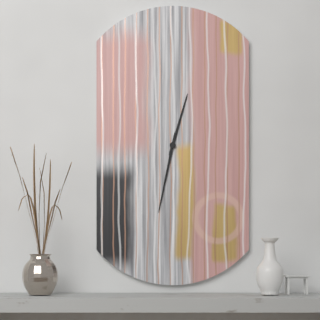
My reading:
**12:32**
